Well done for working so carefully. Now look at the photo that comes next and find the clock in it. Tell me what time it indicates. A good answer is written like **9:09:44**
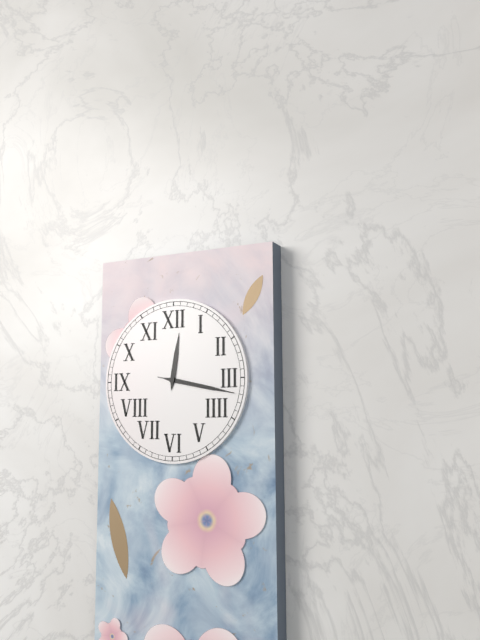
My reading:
**12:17:17**
